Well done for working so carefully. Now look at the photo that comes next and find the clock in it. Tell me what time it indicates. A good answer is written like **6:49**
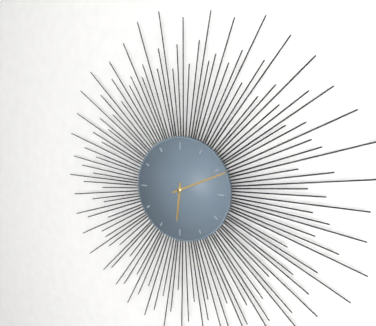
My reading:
**6:11**
